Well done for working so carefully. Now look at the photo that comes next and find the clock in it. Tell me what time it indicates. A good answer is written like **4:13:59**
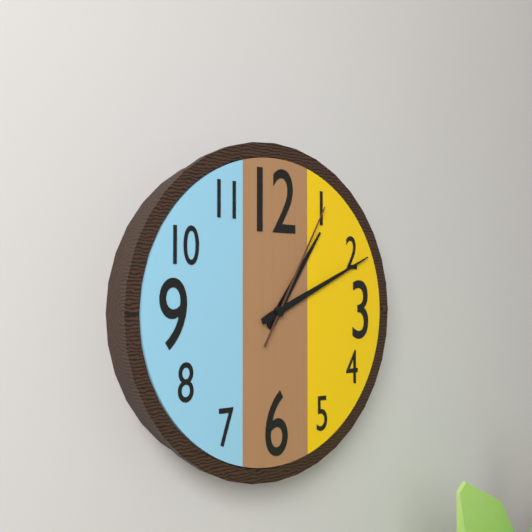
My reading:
**1:11:05**
